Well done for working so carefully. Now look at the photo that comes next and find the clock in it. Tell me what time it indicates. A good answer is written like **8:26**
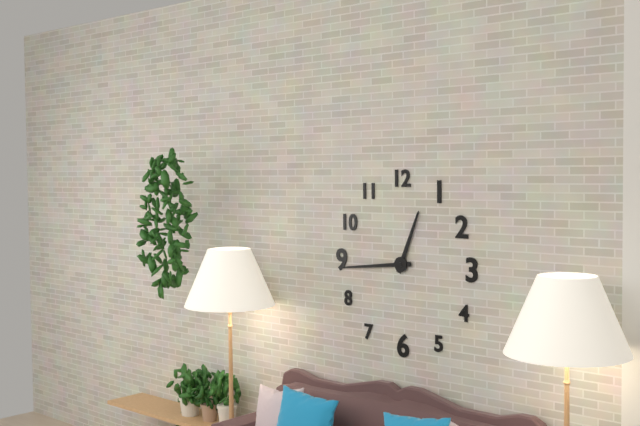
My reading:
**12:44**
